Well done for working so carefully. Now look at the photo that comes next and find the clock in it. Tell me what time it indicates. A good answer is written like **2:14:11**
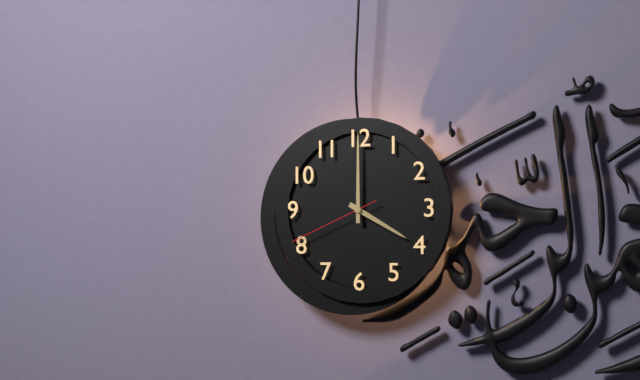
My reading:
**4:00:41**
